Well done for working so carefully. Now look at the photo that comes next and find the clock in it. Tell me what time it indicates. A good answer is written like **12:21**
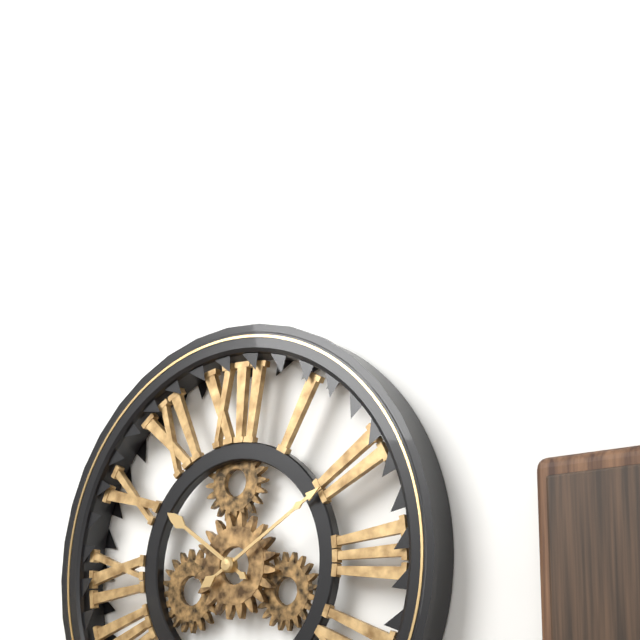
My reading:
**10:10**
